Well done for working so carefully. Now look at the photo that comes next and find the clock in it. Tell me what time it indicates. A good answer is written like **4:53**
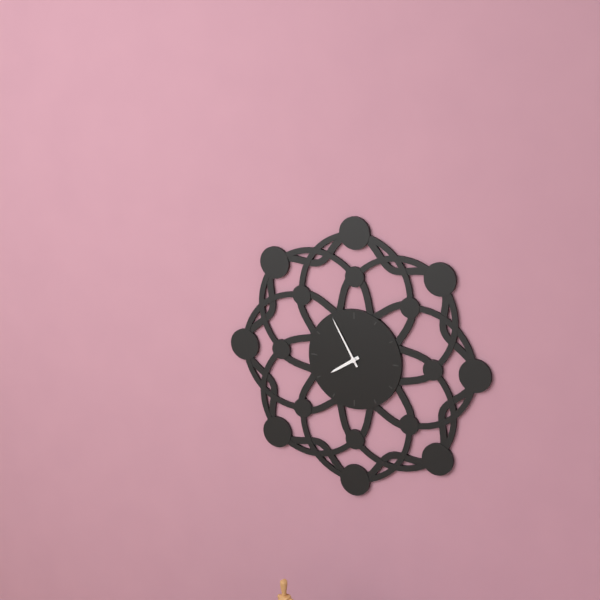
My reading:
**7:55**
